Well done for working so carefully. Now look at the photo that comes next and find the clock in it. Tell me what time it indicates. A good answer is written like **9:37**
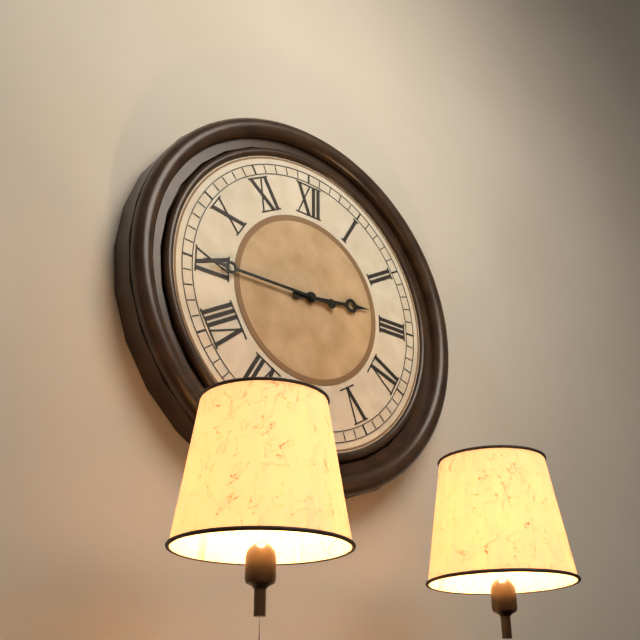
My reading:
**2:45**
